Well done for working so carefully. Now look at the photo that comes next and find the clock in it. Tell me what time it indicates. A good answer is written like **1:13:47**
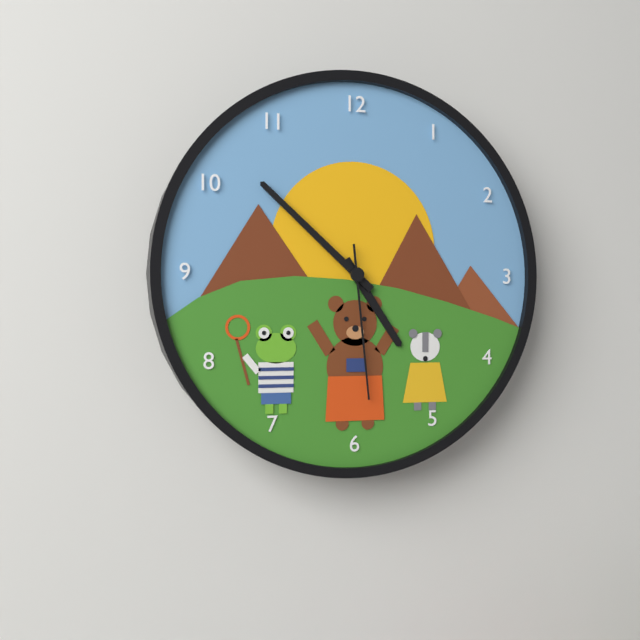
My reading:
**4:52:29**
